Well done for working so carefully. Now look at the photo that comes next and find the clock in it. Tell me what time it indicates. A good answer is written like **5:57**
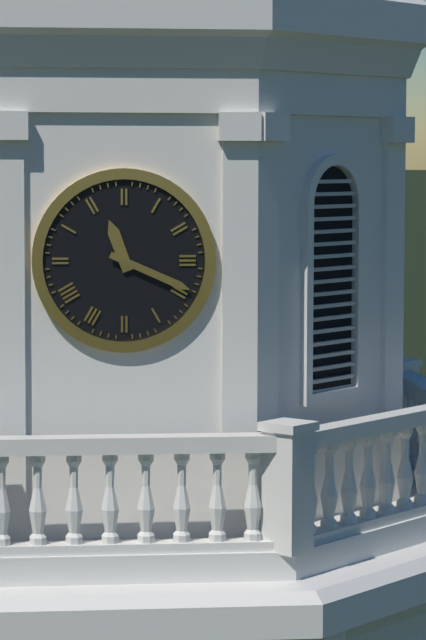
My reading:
**11:19**
